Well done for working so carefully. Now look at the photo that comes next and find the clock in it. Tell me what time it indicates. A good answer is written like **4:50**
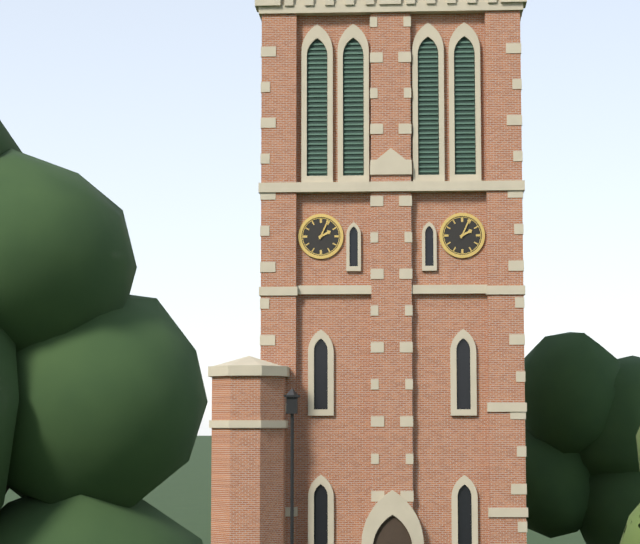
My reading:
**2:04**
